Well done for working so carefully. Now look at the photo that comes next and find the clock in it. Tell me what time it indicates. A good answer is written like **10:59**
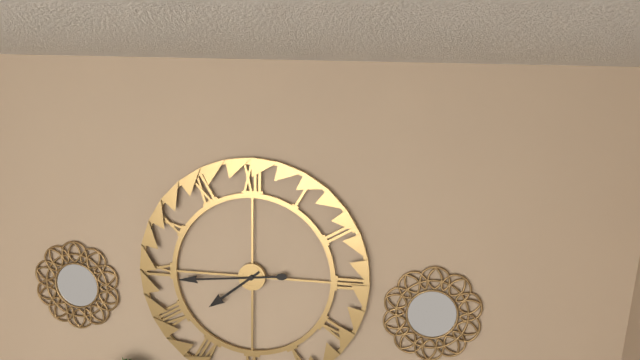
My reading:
**7:44**
